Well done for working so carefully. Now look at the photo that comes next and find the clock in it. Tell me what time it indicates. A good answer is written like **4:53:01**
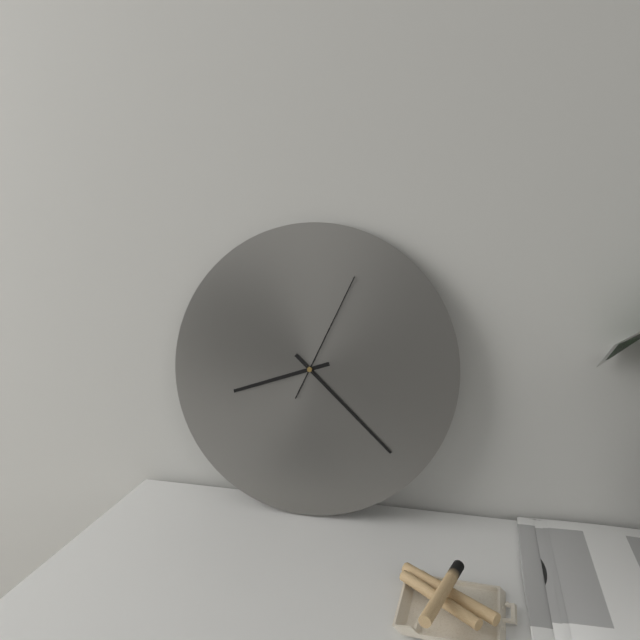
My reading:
**8:22:04**
